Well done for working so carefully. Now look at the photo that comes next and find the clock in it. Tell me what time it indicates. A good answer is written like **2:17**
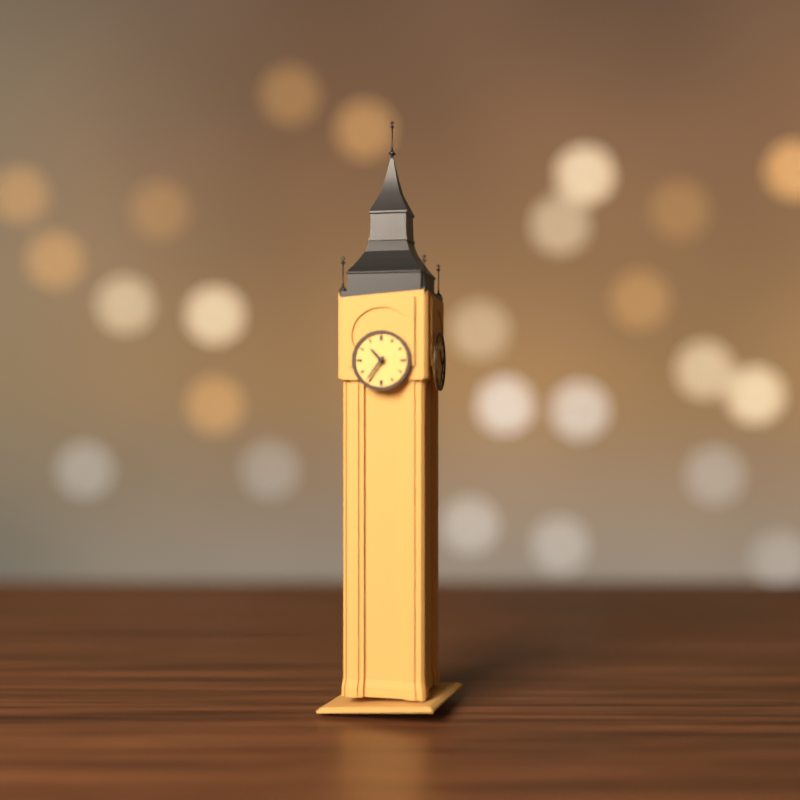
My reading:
**10:36**
